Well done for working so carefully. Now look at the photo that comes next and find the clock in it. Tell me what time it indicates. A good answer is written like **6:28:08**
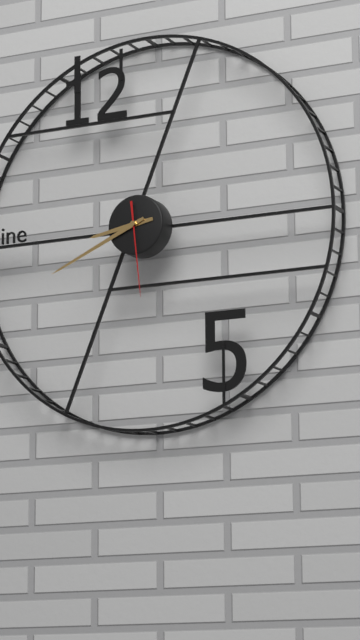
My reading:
**8:41:29**
